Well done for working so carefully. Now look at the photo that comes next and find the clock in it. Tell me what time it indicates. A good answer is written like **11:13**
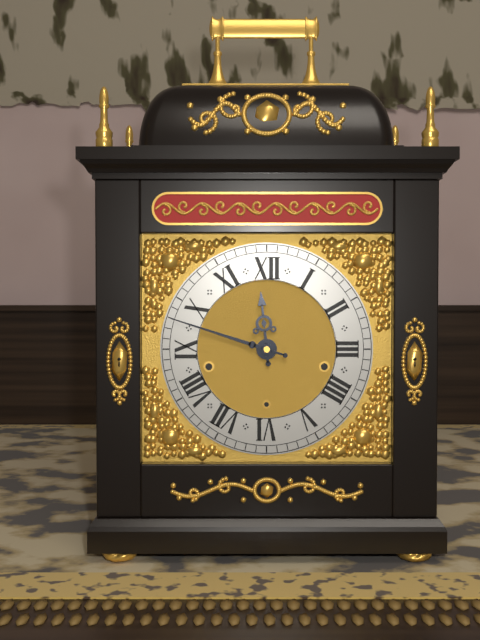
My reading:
**11:48**
